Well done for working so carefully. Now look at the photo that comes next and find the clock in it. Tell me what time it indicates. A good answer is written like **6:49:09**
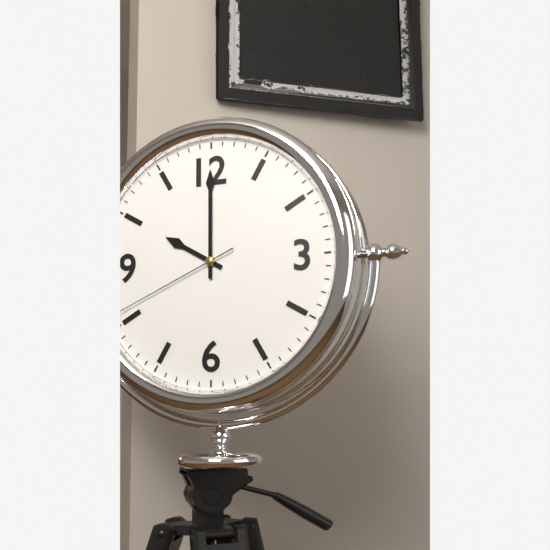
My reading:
**10:00:41**
